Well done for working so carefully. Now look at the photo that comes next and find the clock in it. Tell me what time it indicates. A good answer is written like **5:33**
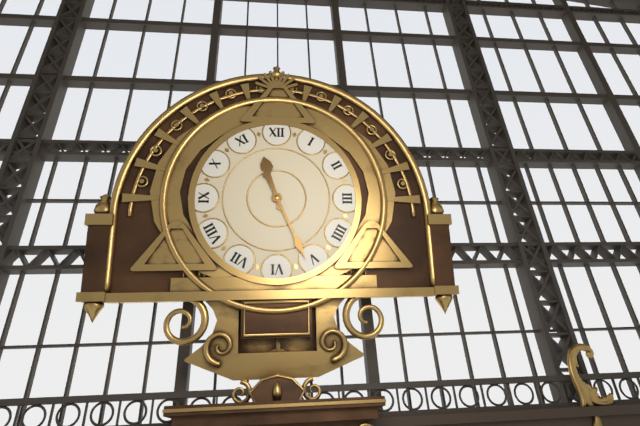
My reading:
**11:26**
